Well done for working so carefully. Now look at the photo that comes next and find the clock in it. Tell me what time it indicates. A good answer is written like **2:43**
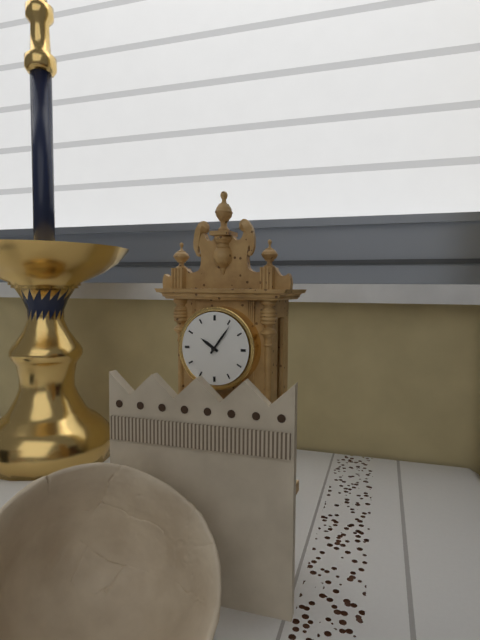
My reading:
**10:06**
